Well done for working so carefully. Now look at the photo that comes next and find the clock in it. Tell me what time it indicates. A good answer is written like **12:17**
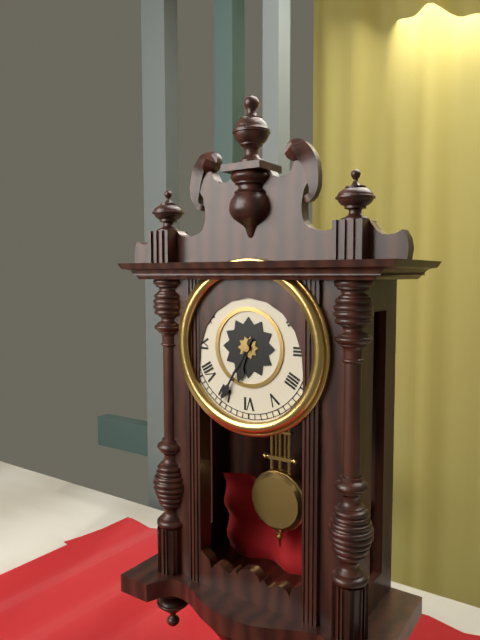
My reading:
**6:35**
